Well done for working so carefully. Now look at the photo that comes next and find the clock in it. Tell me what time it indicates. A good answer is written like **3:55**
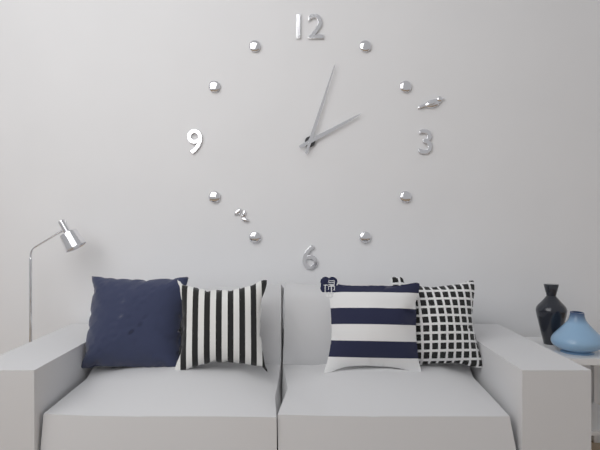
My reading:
**2:03**
